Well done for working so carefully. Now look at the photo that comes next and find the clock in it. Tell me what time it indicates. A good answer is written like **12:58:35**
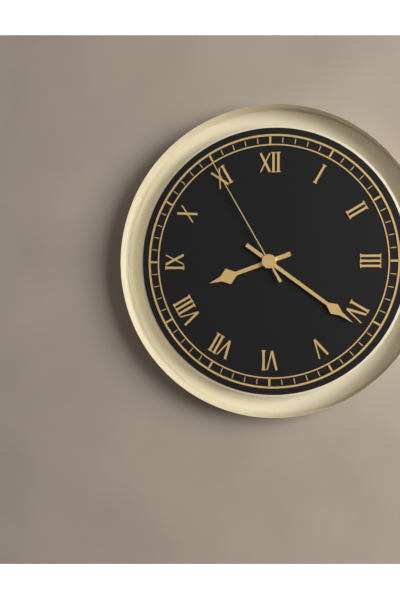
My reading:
**8:21:55**
